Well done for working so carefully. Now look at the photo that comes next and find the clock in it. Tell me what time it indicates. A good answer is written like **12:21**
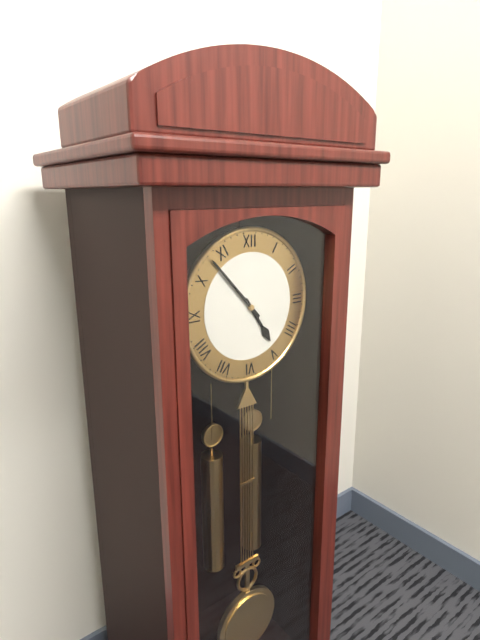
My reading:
**4:53**
